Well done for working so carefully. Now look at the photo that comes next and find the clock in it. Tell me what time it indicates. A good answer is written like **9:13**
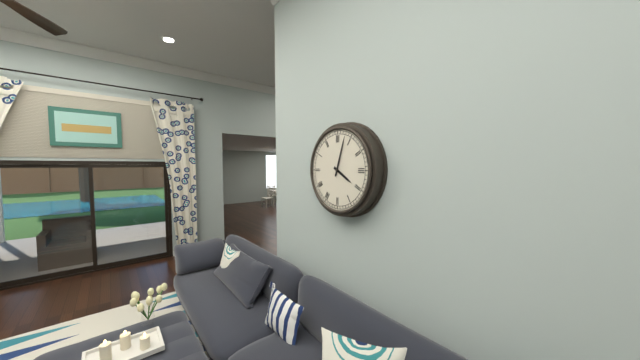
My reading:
**4:03**
